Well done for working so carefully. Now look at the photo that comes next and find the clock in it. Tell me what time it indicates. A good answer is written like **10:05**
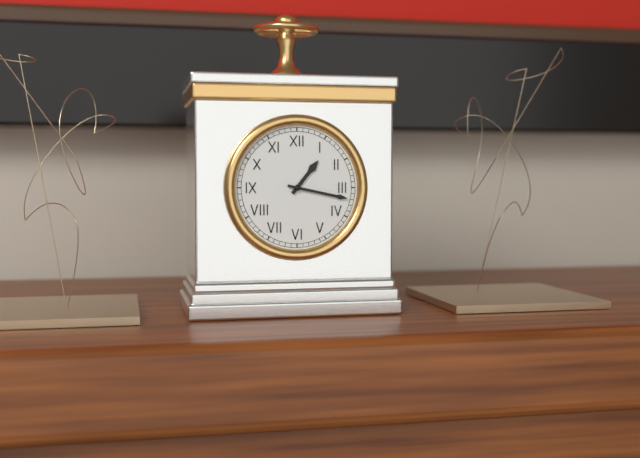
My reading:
**1:17**
